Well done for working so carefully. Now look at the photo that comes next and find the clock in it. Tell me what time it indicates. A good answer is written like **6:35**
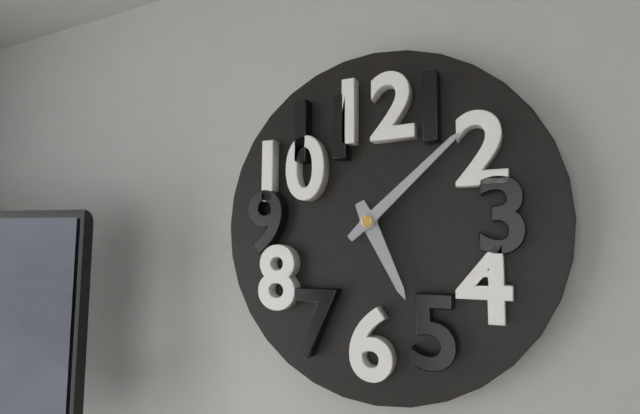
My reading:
**5:08**
